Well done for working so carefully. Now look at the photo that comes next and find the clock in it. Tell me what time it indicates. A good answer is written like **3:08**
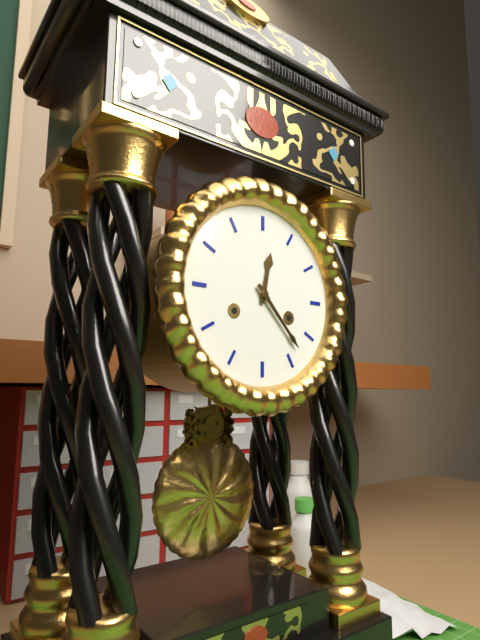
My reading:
**12:23**
